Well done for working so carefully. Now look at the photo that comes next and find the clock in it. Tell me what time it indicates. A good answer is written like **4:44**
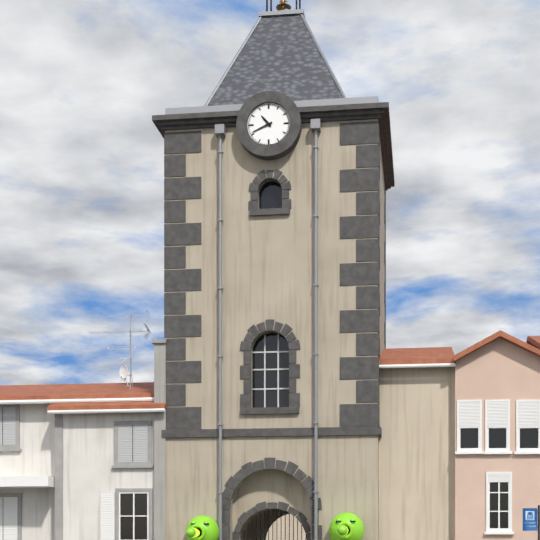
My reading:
**10:41**
